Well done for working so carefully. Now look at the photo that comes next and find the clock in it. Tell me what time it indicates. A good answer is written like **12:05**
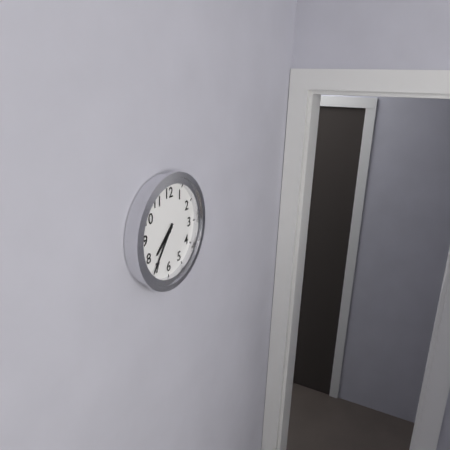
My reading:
**7:36**
